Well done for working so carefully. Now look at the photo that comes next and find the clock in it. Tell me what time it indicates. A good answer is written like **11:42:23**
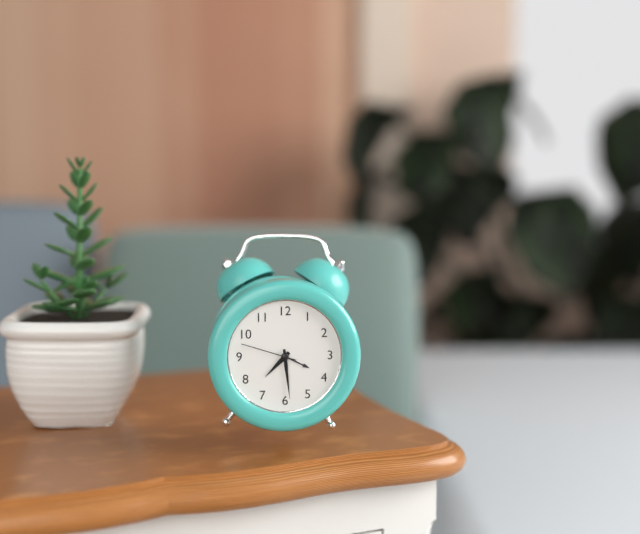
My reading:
**7:29:48**
